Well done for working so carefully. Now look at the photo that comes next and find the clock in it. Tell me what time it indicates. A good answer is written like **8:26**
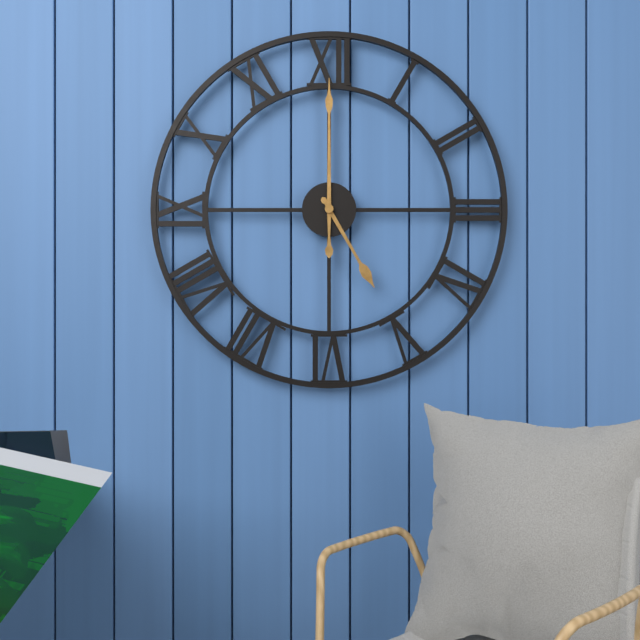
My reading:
**5:00**
